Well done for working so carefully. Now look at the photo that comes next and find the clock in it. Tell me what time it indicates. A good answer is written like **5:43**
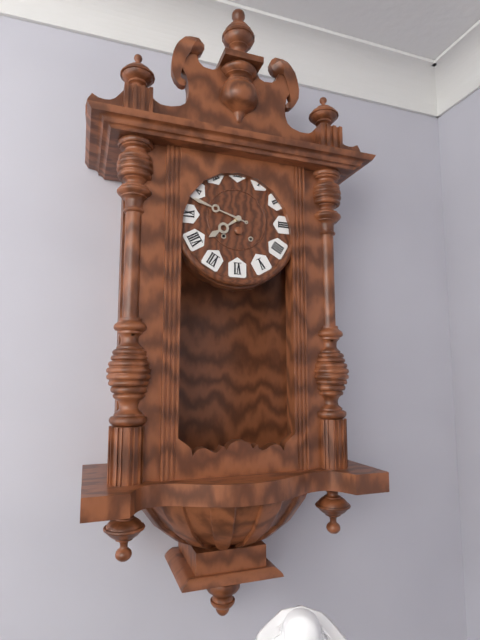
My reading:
**7:48**
